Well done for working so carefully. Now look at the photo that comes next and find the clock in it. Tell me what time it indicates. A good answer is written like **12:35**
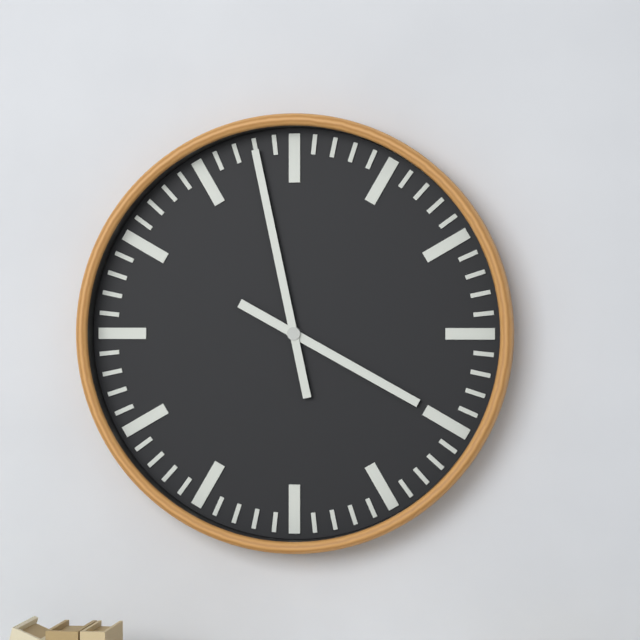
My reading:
**3:58**
